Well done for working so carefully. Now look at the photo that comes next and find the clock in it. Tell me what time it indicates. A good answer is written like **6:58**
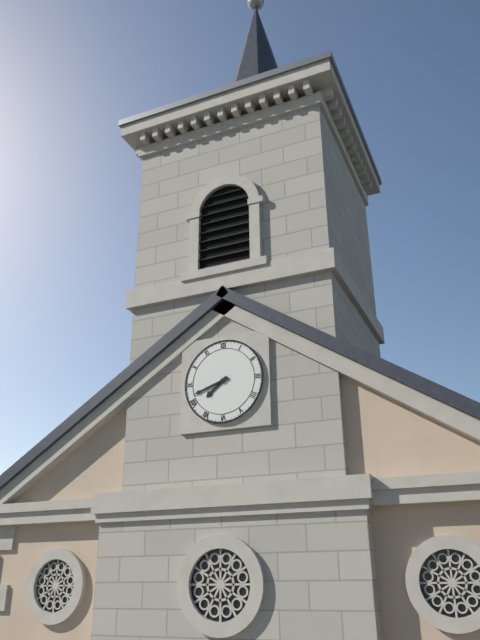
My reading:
**7:42**
